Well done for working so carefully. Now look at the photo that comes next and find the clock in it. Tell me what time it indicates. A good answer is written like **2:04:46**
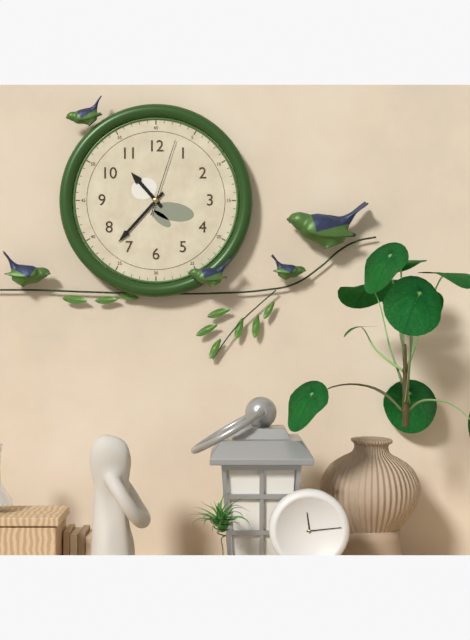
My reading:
**10:37:03**
